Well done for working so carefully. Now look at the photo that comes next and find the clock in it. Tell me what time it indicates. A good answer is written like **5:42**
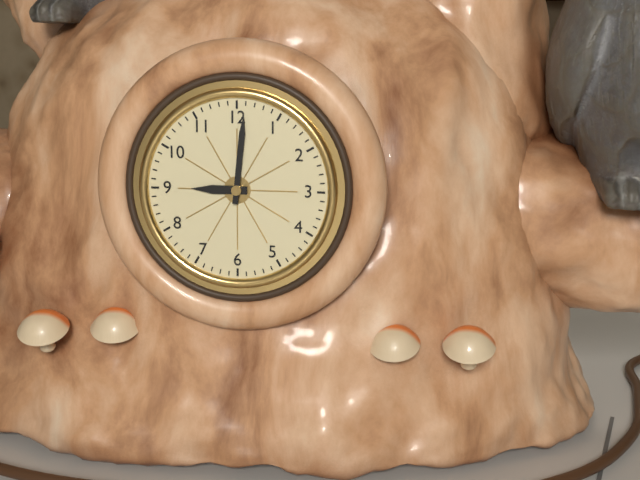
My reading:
**9:01**
